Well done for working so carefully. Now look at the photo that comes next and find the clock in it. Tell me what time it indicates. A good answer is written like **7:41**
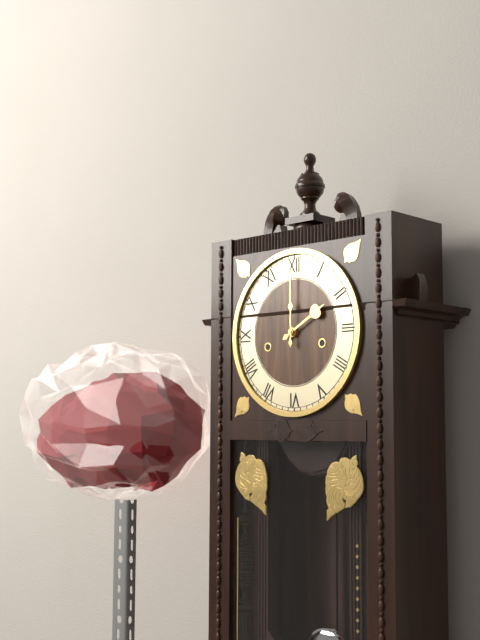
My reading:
**2:00**
